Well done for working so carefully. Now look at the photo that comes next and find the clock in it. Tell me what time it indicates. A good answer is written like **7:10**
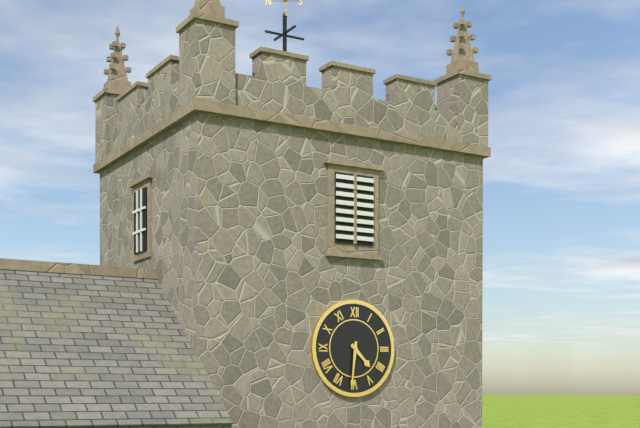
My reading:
**4:31**
